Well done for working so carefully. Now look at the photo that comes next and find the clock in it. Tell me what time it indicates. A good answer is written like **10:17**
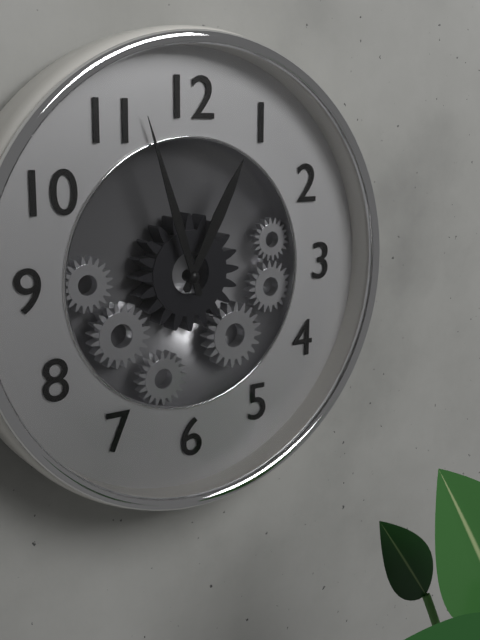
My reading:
**12:57**
